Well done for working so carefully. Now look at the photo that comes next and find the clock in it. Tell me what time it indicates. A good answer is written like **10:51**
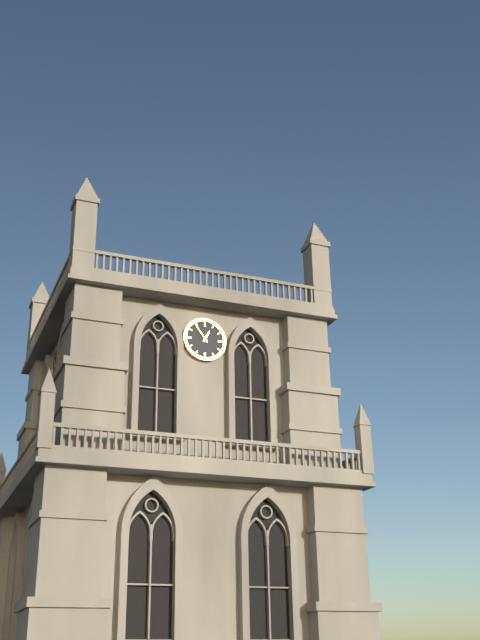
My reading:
**12:54**
